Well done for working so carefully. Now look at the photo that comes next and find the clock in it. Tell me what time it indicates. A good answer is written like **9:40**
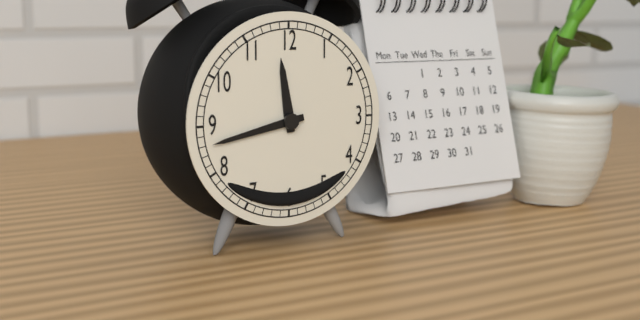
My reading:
**11:43**
